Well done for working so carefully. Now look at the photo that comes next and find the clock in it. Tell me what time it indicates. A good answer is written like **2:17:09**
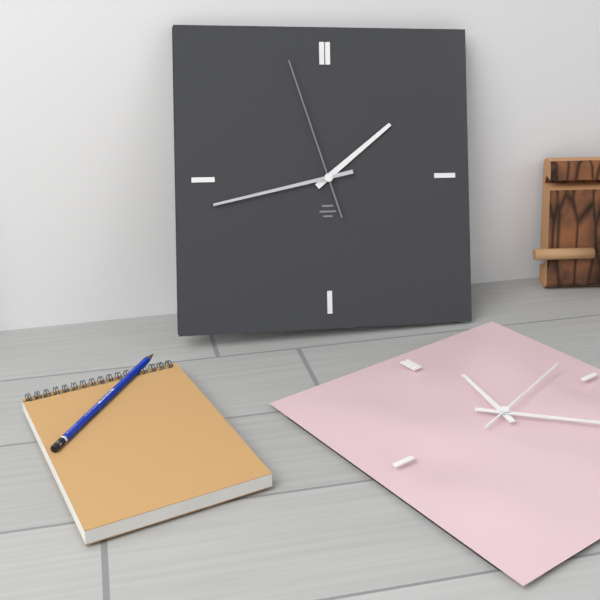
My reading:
**1:43:57**
